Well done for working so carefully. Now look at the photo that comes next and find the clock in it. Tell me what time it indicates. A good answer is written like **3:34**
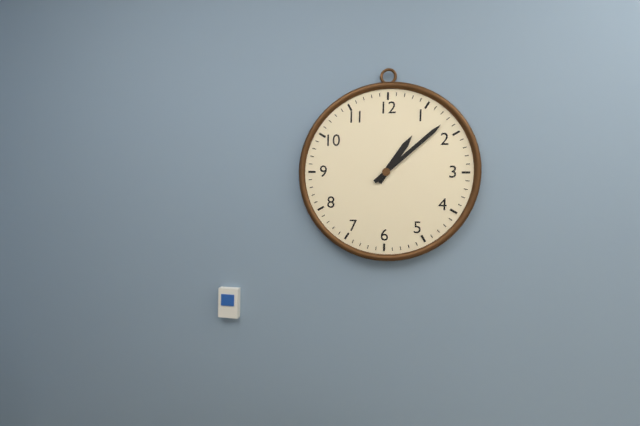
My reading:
**1:08**
